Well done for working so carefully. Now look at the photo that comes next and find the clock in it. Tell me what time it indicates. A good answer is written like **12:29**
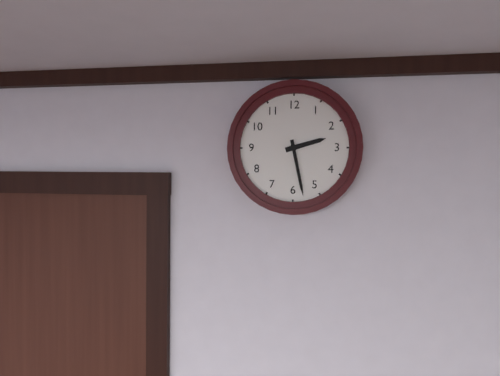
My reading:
**2:28**
